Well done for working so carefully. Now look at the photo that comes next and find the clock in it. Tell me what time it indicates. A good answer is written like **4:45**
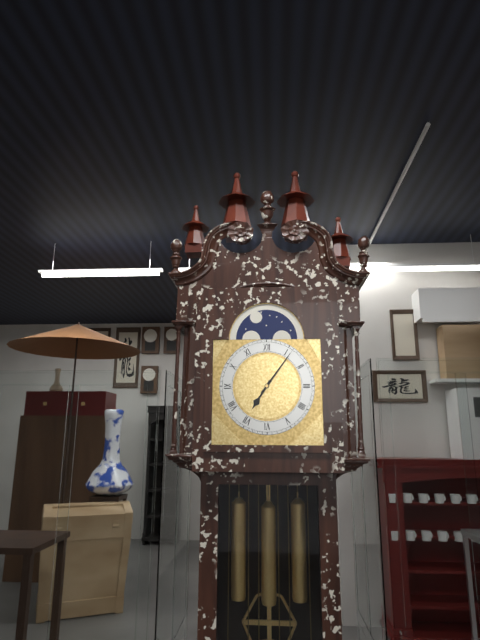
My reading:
**7:06**
